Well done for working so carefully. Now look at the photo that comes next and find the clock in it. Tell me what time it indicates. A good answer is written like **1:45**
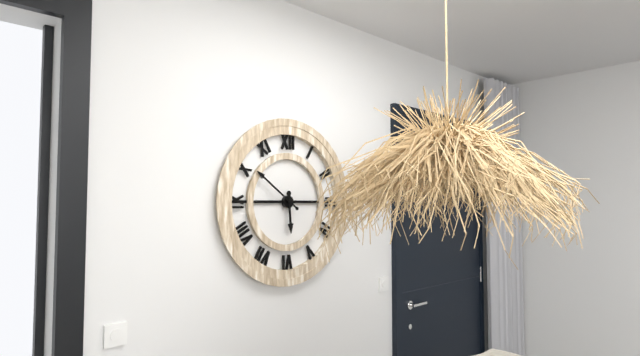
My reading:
**5:51**
